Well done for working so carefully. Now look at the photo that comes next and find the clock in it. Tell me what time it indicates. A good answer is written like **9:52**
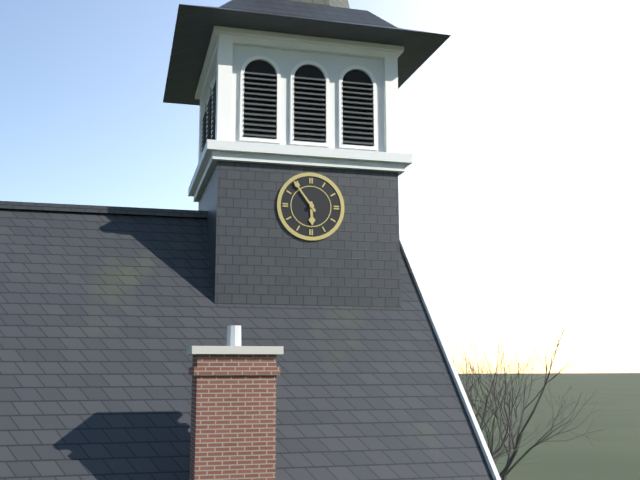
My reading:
**5:54**
